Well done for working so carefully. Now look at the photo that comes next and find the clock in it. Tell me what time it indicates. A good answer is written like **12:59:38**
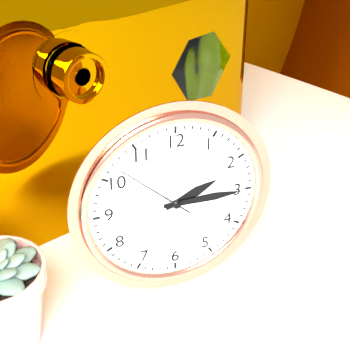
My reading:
**2:15:52**
